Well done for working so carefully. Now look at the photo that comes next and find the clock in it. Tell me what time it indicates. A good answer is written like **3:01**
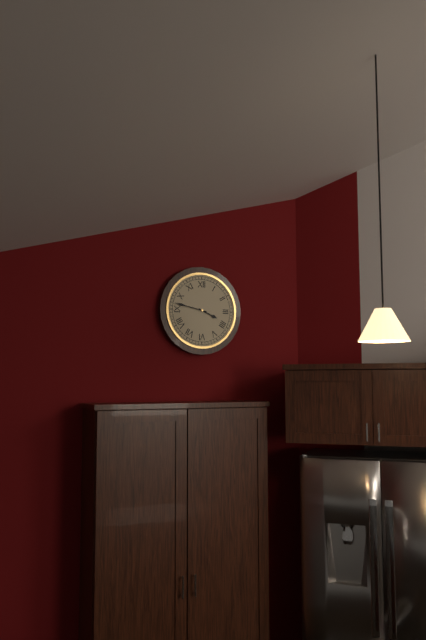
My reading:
**3:47**
